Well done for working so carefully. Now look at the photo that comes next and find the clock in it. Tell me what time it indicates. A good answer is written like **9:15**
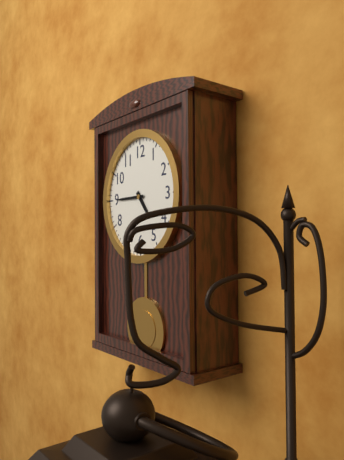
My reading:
**4:45**
